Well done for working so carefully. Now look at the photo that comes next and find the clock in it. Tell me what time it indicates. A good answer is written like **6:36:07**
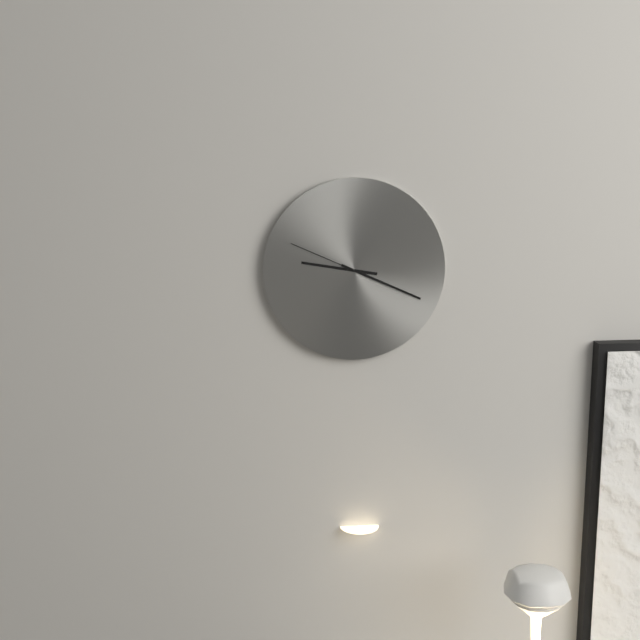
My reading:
**9:19:49**
